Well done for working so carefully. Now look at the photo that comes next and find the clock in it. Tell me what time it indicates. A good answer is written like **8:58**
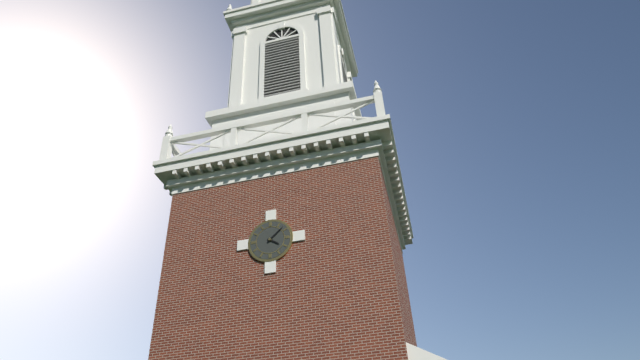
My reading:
**4:08**
